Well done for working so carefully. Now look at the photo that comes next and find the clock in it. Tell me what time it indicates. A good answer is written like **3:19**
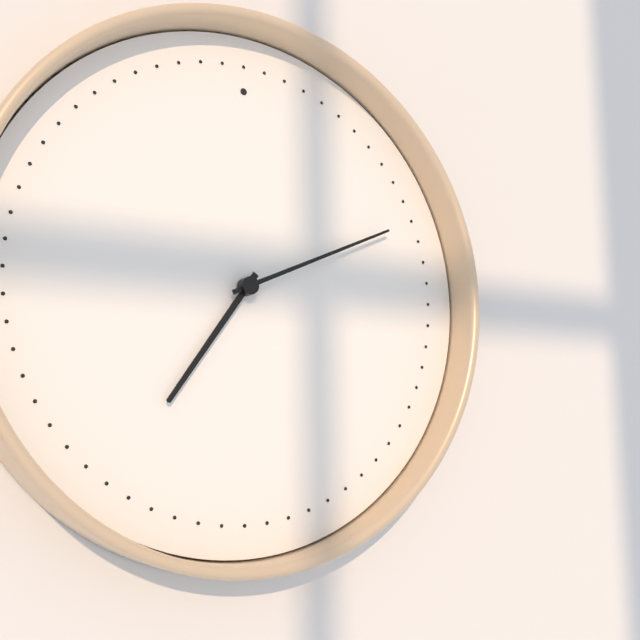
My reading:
**7:11**
